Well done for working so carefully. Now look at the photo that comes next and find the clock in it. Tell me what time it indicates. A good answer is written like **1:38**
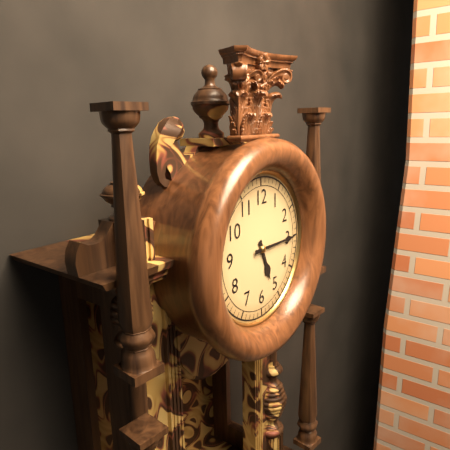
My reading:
**5:15**
